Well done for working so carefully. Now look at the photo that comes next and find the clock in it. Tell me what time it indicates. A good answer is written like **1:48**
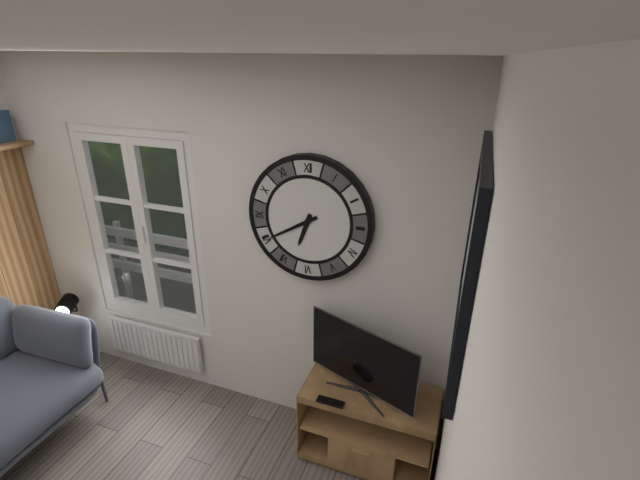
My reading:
**6:40**
